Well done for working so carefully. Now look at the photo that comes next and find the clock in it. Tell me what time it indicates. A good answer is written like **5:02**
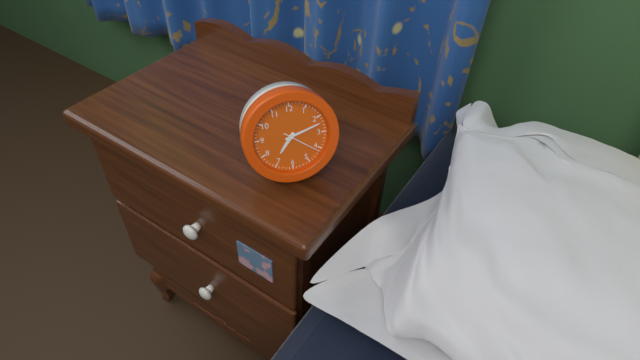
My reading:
**7:12**
